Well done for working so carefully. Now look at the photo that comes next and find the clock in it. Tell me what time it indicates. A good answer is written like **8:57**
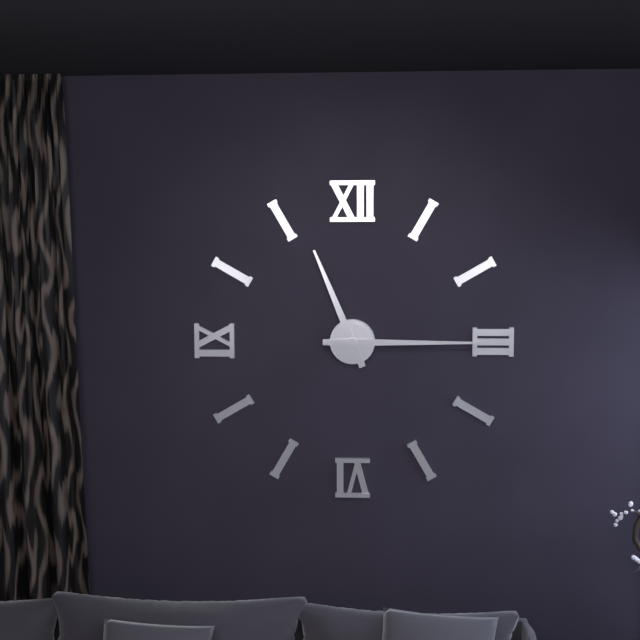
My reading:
**11:15**
